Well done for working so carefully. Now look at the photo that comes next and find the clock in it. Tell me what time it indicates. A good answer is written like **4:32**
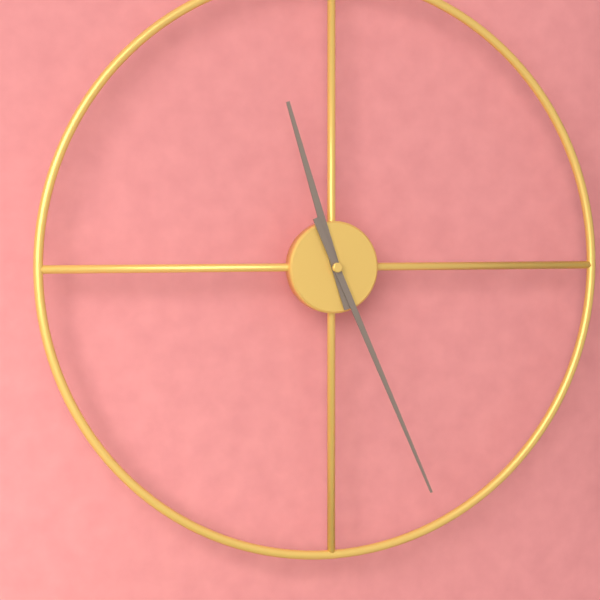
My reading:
**11:26**
